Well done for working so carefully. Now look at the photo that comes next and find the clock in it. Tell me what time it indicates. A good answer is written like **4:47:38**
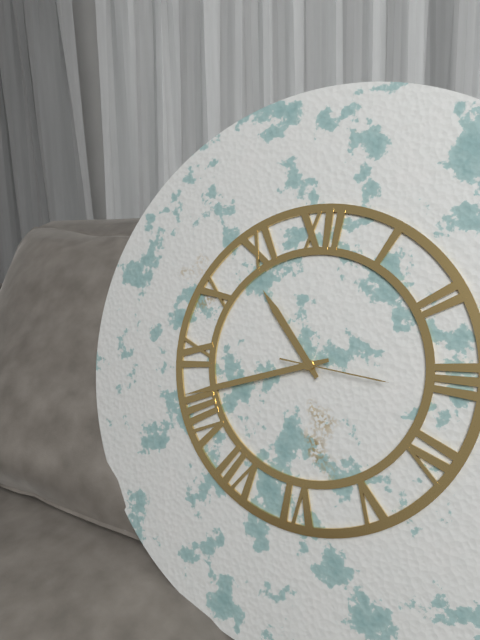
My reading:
**10:42:16**
